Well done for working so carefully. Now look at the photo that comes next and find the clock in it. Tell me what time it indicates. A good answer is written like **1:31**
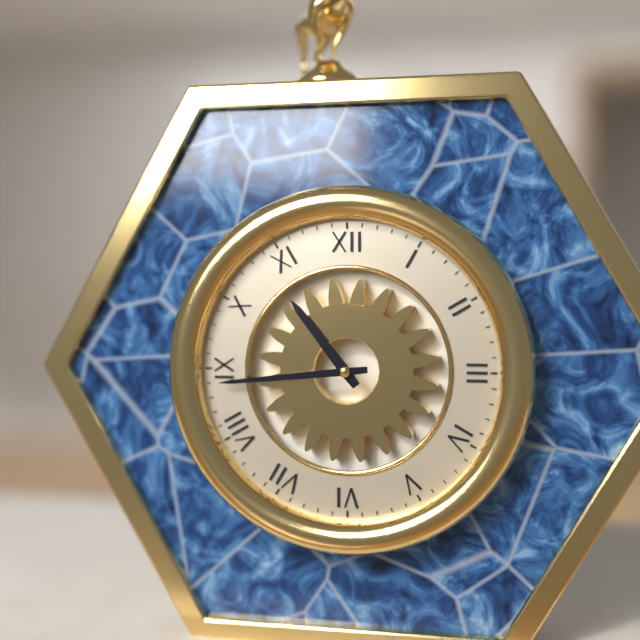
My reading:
**10:44**
